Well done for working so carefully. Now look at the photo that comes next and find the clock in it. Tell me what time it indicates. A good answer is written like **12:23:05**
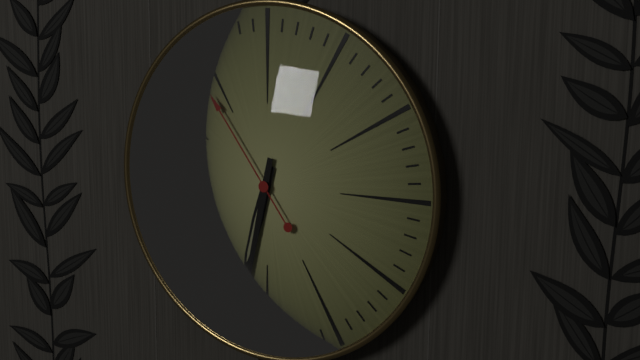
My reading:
**6:32:54**
